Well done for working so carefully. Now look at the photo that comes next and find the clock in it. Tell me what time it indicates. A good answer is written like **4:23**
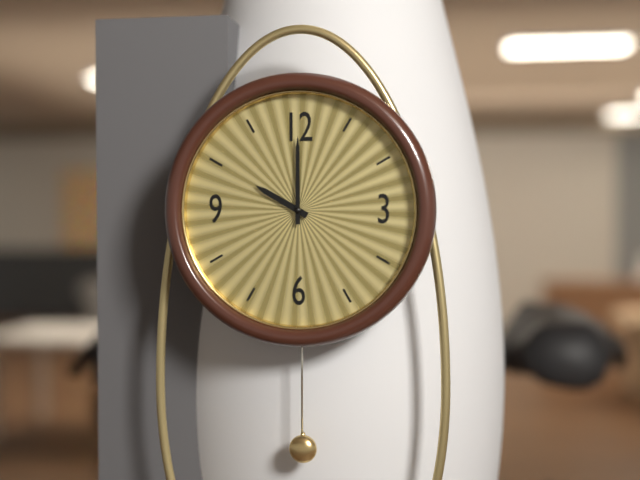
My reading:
**10:00**
